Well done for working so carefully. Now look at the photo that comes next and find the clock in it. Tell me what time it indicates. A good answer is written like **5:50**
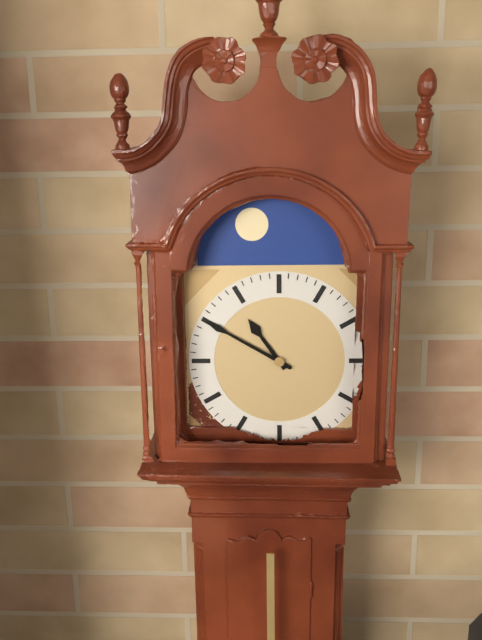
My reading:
**10:50**
